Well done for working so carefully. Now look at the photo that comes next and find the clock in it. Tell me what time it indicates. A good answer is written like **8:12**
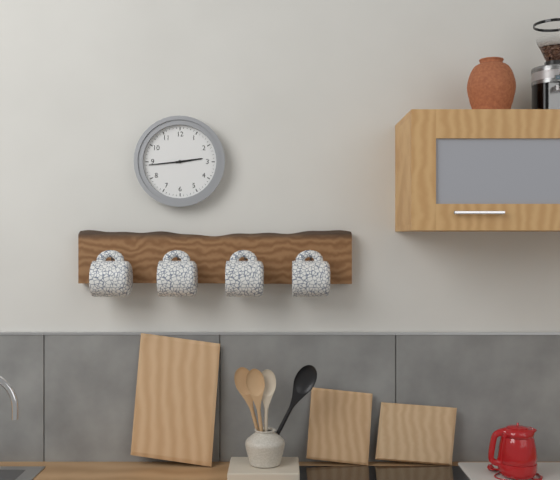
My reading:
**2:44**
